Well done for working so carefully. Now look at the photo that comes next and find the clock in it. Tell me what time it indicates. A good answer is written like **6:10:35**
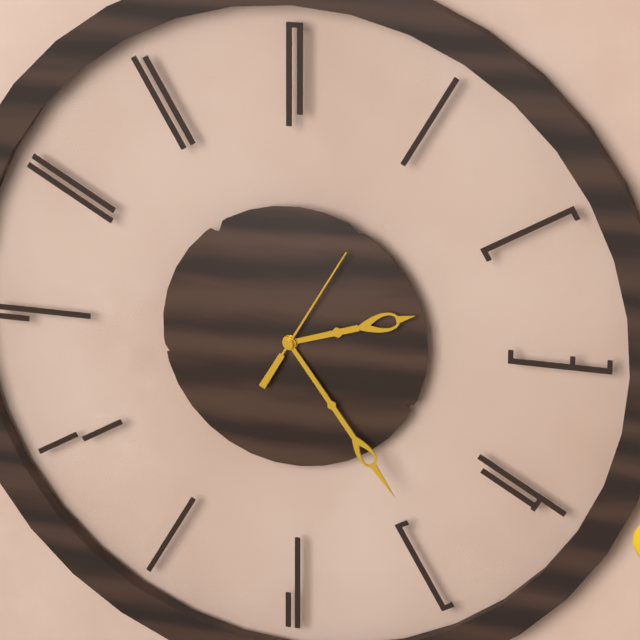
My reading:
**2:24:05**
